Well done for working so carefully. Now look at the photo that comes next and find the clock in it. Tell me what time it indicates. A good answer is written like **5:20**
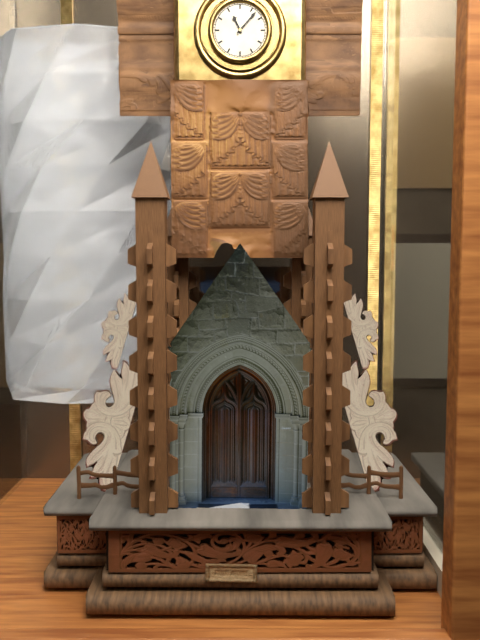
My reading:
**11:07**
